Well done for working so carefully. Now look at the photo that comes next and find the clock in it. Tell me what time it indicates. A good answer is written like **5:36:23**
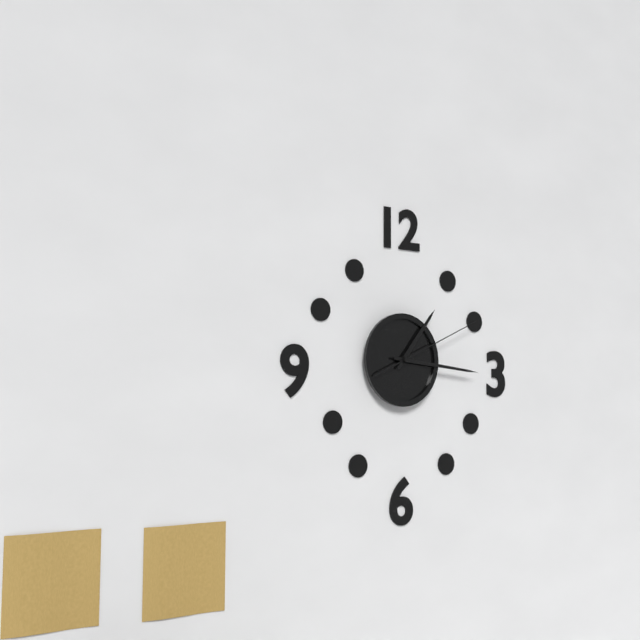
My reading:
**1:16:11**
